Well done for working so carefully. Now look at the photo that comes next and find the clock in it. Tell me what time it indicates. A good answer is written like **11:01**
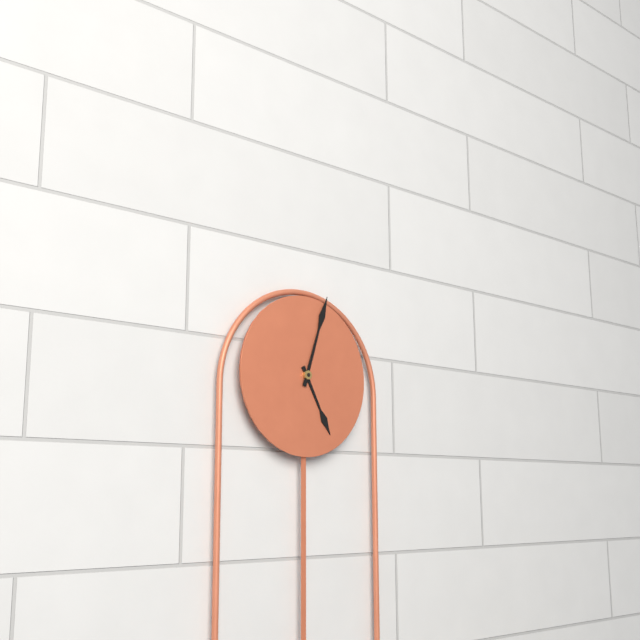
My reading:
**5:03**
